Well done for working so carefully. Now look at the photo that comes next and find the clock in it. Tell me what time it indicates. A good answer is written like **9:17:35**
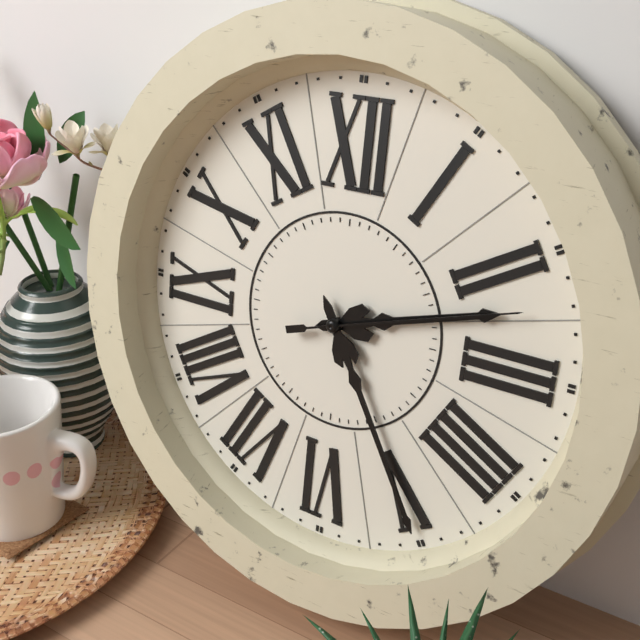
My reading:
**2:25:12**
